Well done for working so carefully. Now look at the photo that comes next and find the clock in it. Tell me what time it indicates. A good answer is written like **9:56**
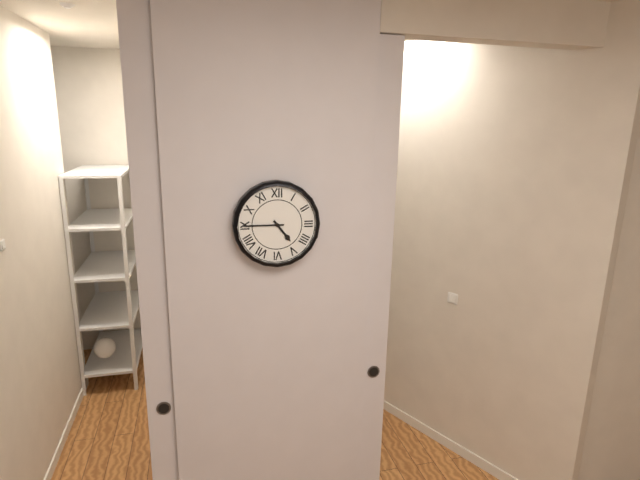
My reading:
**4:45**
